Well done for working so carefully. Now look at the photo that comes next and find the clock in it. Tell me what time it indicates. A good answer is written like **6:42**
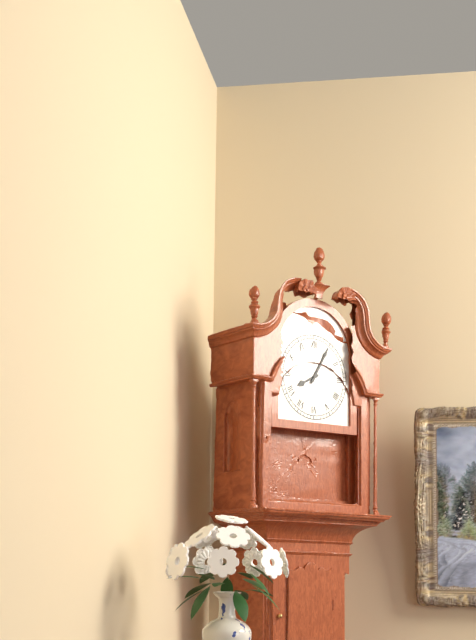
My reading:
**8:05**
